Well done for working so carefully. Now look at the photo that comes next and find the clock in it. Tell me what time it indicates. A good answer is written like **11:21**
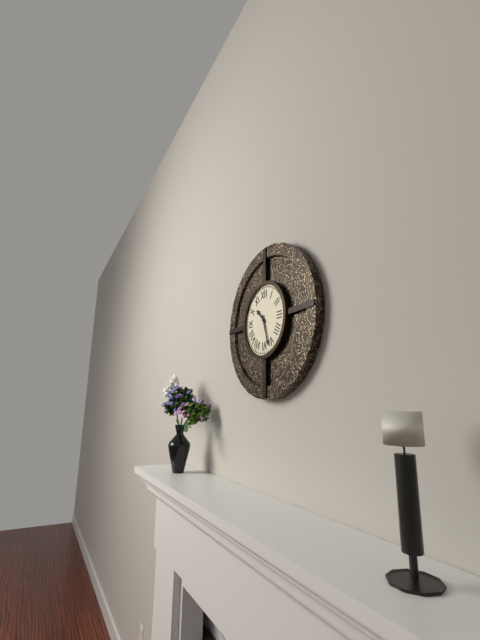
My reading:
**10:27**
